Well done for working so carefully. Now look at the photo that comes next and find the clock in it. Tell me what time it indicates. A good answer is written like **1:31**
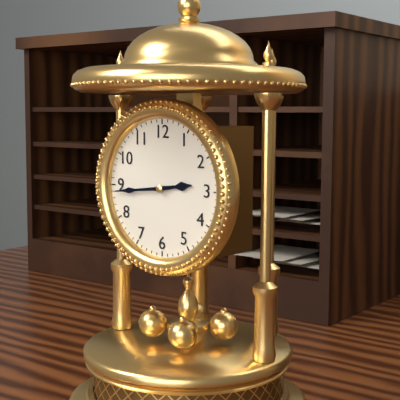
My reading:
**2:44**
